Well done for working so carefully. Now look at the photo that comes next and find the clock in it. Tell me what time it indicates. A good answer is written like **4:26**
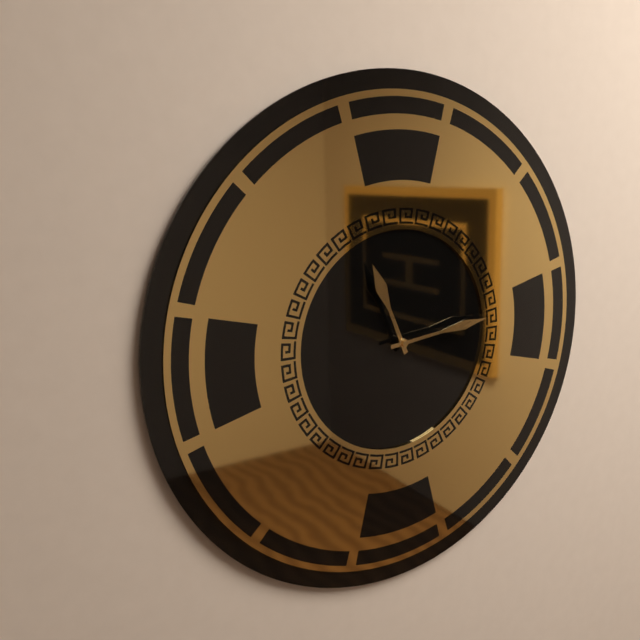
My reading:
**11:14**
